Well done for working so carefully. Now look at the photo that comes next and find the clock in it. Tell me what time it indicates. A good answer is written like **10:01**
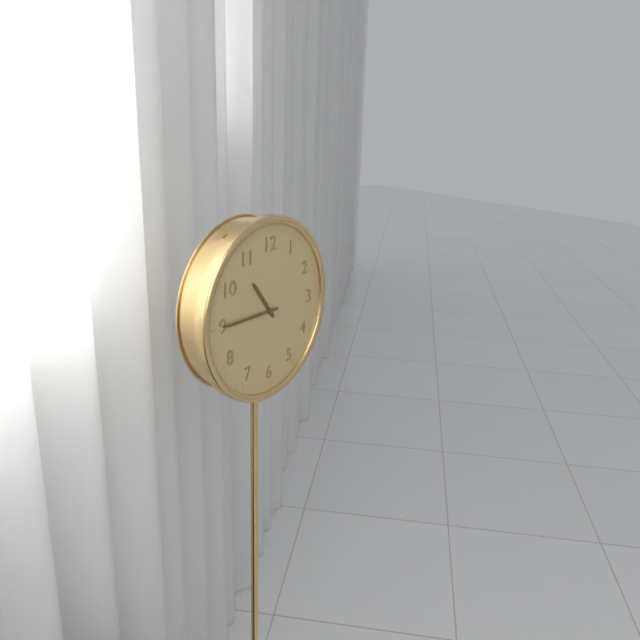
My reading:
**10:45**
